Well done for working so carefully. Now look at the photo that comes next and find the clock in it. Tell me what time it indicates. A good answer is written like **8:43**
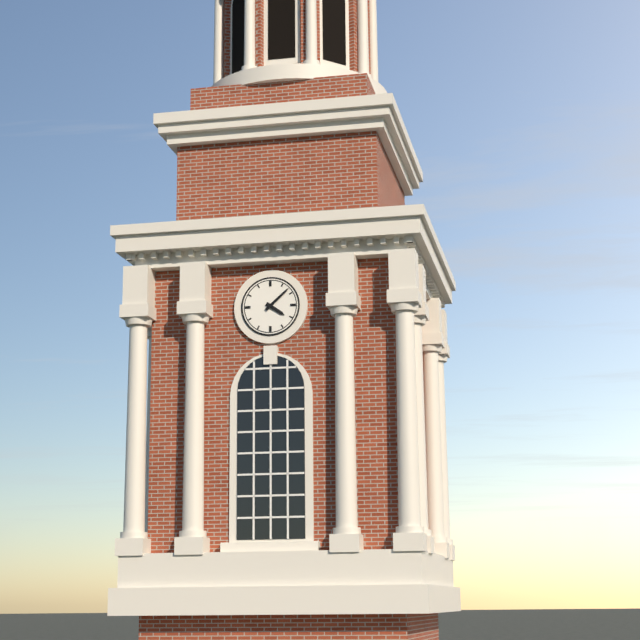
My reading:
**4:08**
